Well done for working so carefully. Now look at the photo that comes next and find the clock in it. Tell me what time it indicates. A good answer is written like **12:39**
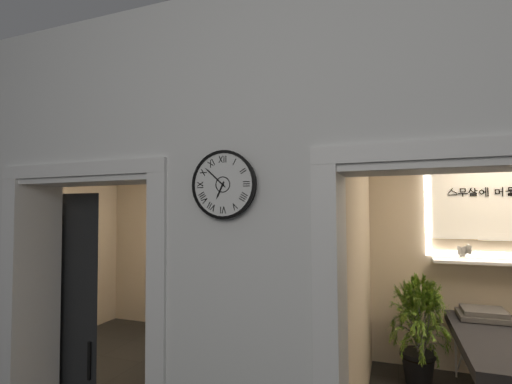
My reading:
**6:52**
